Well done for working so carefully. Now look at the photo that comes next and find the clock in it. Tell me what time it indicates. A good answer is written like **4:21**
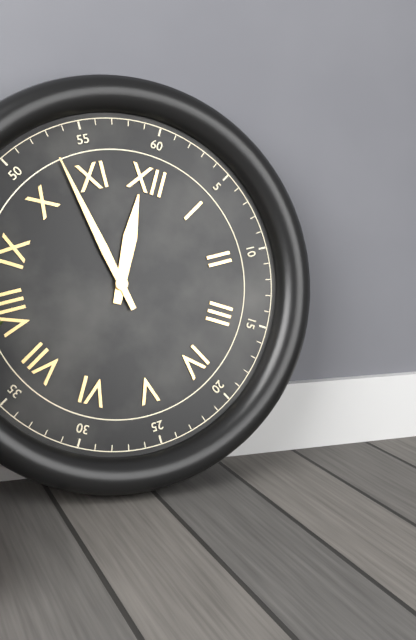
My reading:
**11:53**
